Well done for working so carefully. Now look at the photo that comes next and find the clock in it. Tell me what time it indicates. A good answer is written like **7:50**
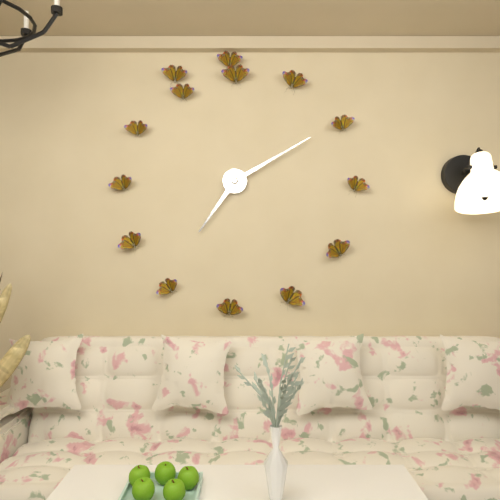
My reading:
**7:10**
